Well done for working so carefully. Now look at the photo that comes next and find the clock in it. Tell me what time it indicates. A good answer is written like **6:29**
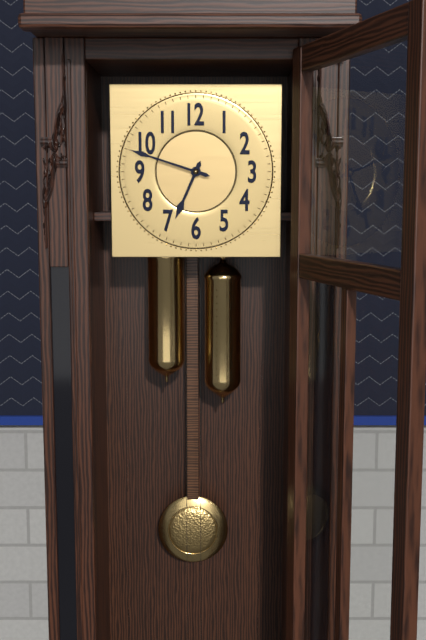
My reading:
**6:48**
